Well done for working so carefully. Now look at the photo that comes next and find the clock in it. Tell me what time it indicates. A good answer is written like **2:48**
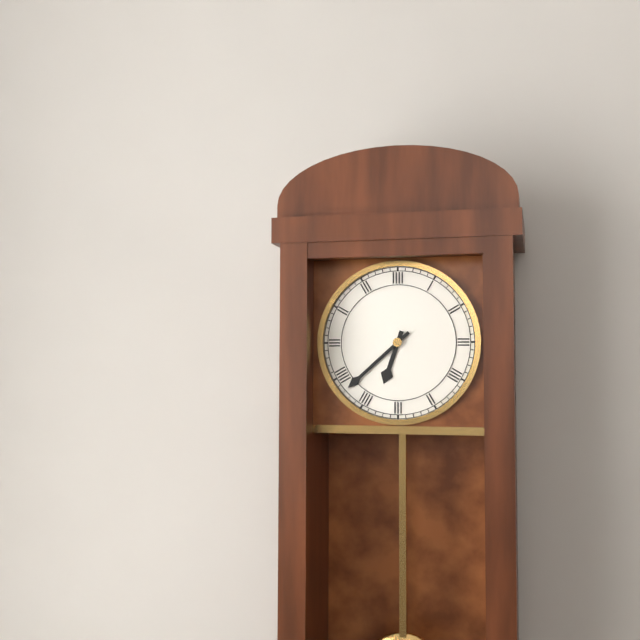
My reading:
**6:38**
